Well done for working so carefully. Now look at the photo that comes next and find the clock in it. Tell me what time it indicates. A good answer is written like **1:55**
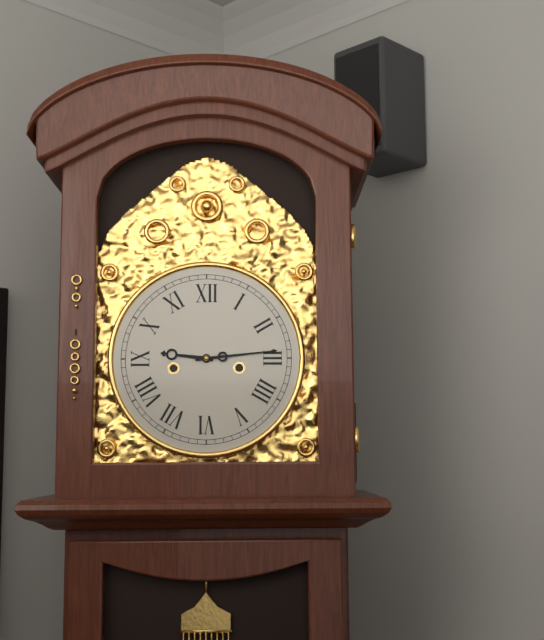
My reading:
**9:14**
